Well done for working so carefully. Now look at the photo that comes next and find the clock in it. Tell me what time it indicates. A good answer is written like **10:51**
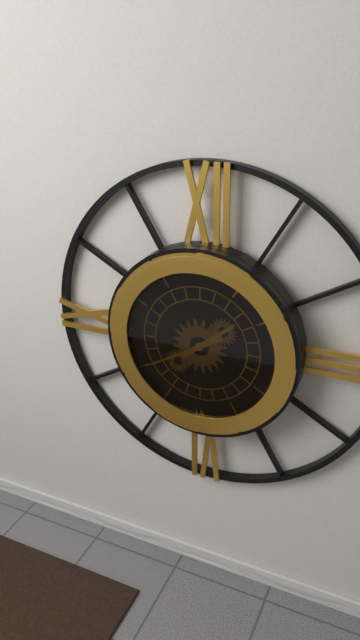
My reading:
**1:40**
